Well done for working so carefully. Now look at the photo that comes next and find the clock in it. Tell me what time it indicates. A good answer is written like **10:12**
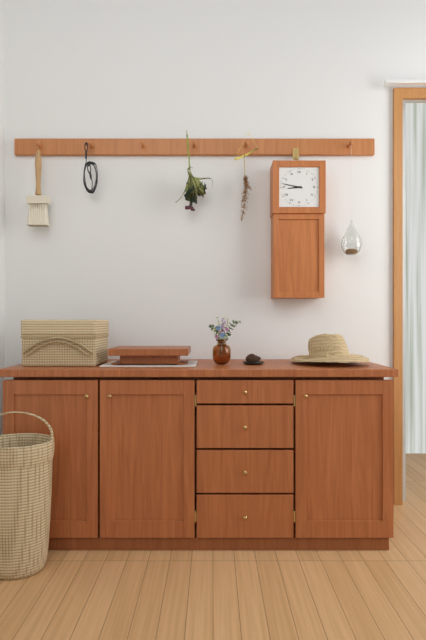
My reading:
**8:47**
